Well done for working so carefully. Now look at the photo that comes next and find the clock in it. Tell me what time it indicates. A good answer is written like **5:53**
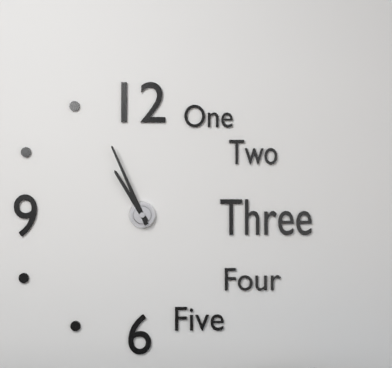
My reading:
**10:56**
